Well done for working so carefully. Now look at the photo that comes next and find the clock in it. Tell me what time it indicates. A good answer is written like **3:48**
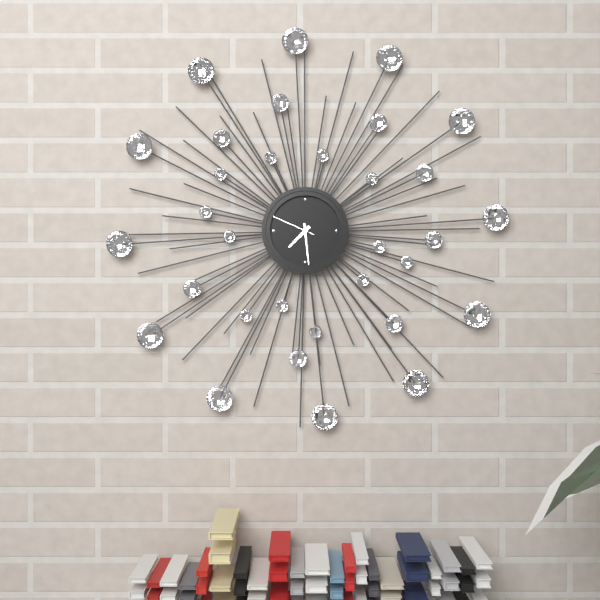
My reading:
**7:29**
